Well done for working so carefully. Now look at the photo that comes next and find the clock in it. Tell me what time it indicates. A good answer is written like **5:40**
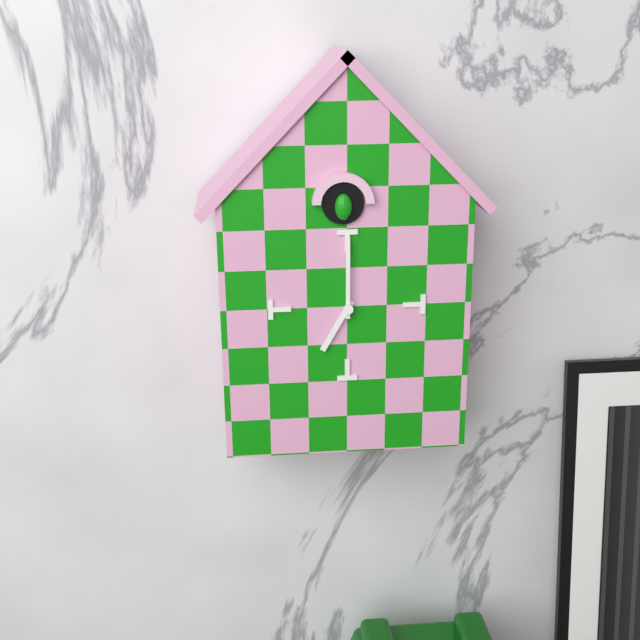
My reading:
**7:00**
